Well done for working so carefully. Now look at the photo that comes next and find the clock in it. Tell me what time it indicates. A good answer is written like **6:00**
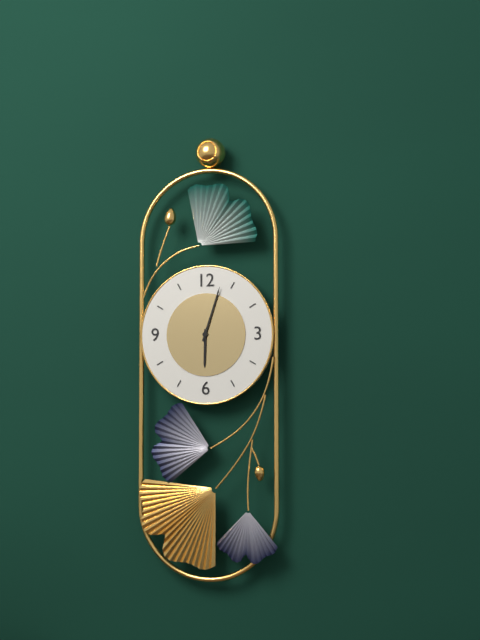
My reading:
**6:03**
